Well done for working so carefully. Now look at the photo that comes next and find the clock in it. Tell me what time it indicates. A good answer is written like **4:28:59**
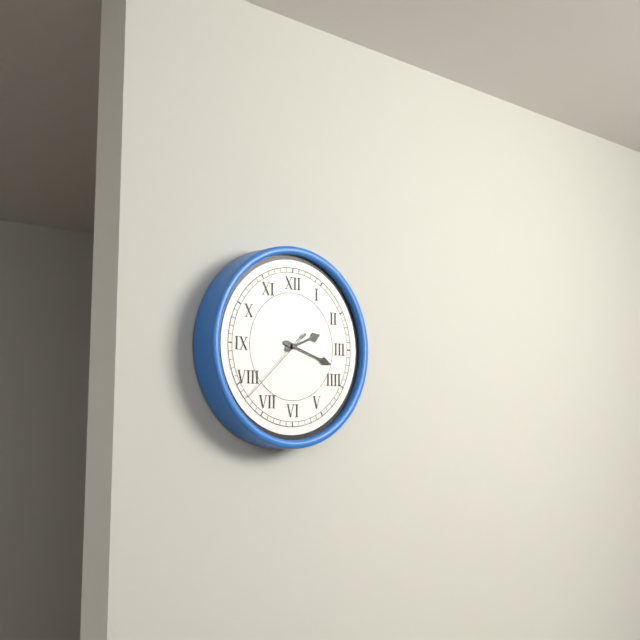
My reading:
**2:18:38**
